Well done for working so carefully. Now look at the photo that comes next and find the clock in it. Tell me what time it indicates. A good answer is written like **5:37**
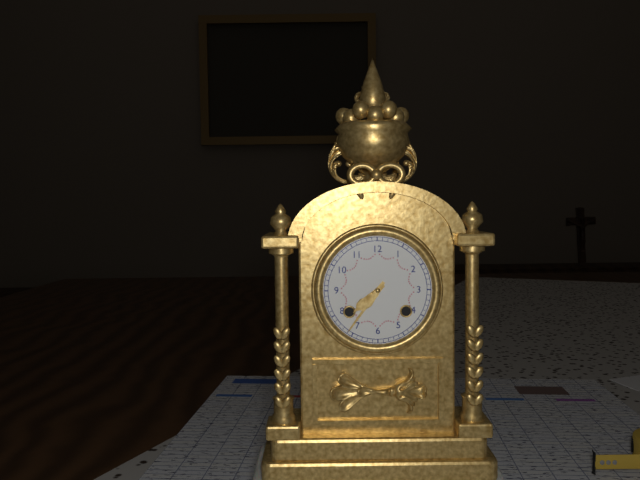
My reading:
**7:36**
